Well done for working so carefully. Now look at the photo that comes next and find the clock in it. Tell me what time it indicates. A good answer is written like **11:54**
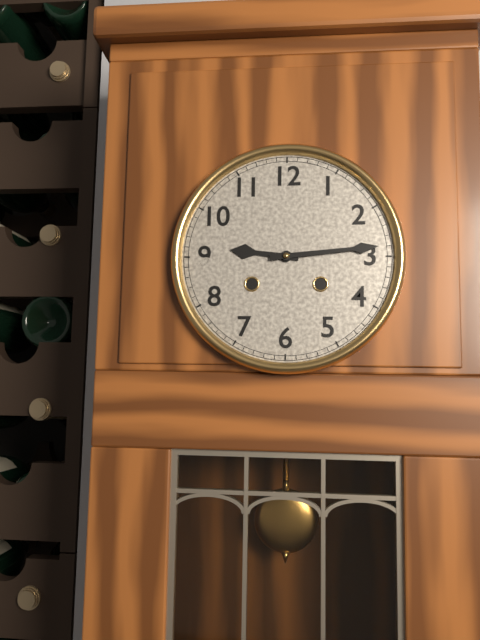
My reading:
**9:14**
